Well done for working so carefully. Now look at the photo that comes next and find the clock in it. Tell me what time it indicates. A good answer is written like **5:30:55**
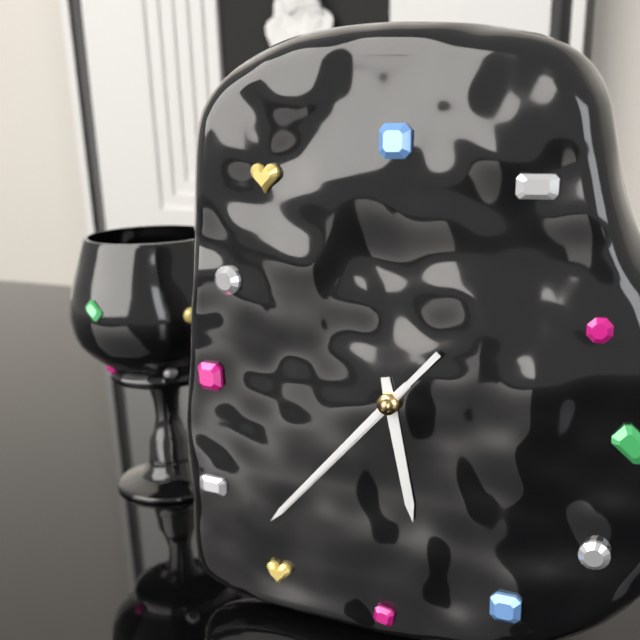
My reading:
**5:37:37**
